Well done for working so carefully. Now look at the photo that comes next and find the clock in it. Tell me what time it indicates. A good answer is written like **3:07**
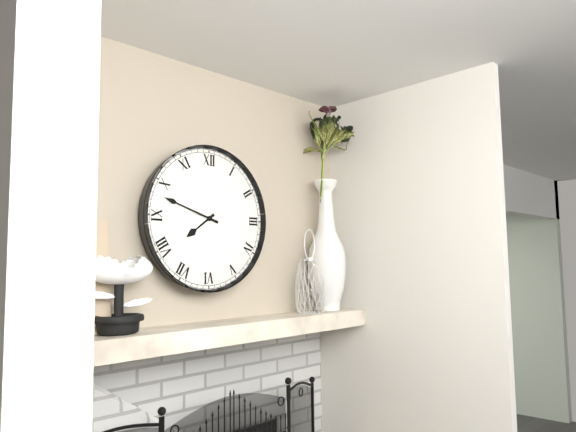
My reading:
**7:48**
